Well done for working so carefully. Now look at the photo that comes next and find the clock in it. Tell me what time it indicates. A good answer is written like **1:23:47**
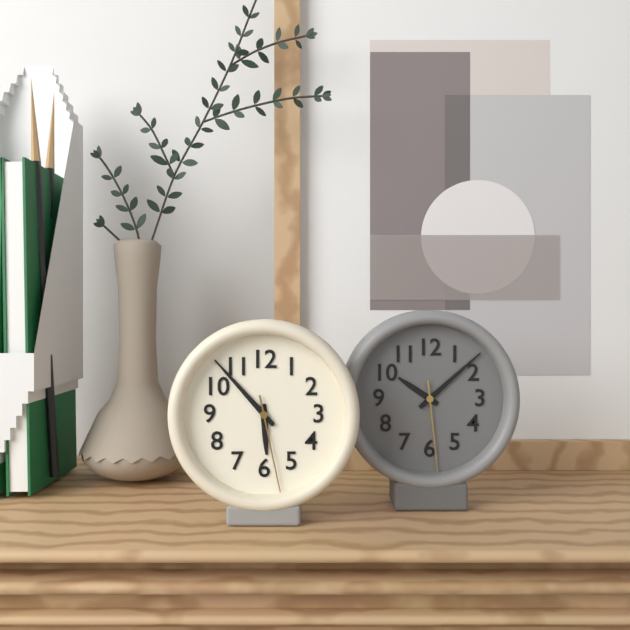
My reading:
**5:53:28**
